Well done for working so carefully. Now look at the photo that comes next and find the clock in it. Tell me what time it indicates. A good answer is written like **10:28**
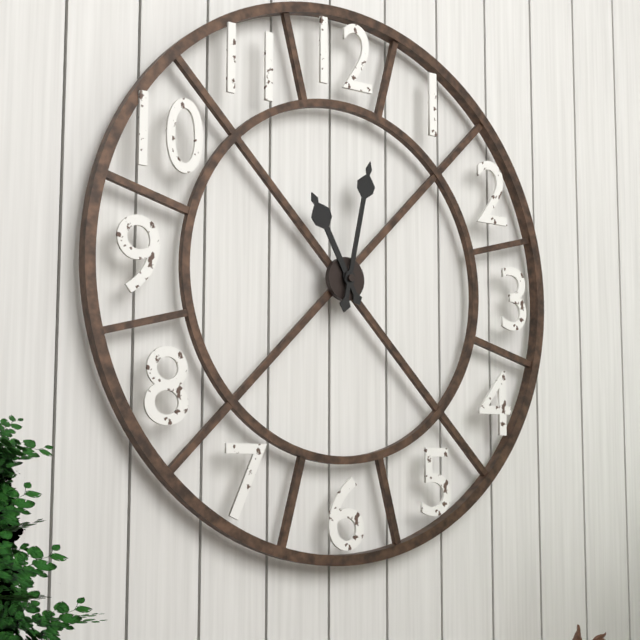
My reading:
**11:02**
